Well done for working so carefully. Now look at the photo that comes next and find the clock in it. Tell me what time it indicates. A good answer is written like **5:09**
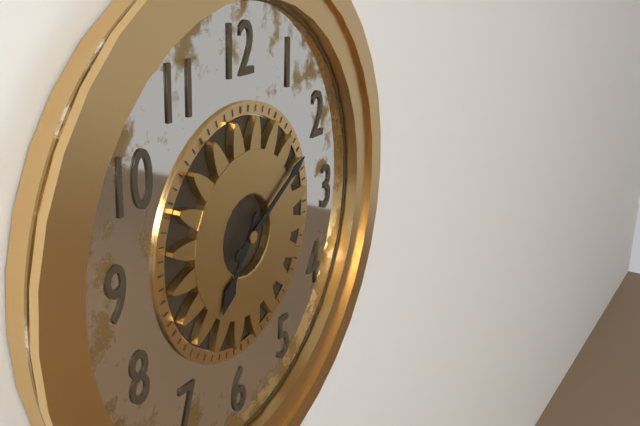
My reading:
**7:10**
